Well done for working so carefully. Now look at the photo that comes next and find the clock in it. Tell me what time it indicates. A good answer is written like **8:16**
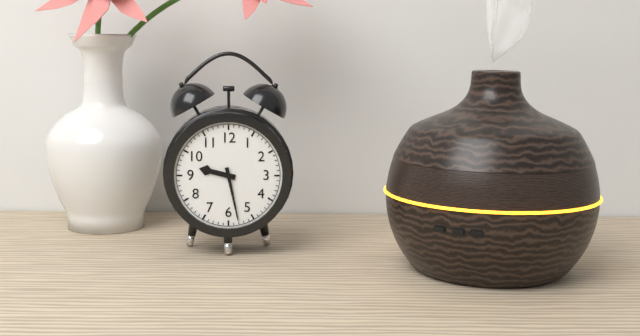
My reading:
**9:28**
